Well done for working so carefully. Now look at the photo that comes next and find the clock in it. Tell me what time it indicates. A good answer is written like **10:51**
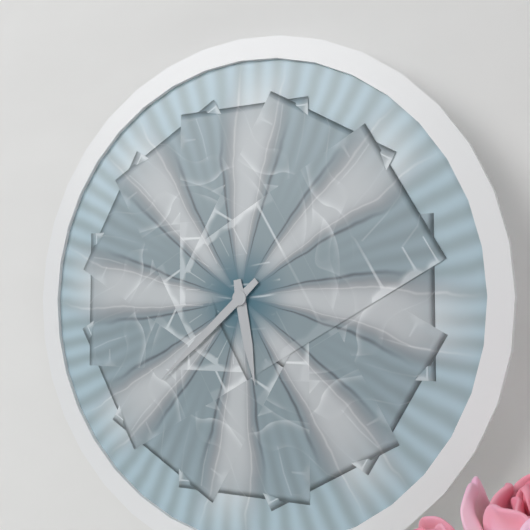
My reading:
**5:38**
